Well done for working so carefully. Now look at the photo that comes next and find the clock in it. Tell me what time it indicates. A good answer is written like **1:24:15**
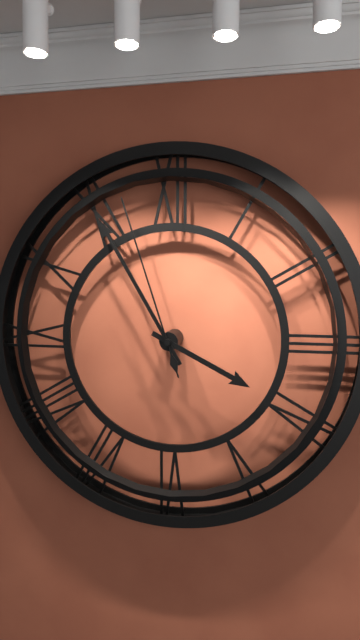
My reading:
**3:55:57**
